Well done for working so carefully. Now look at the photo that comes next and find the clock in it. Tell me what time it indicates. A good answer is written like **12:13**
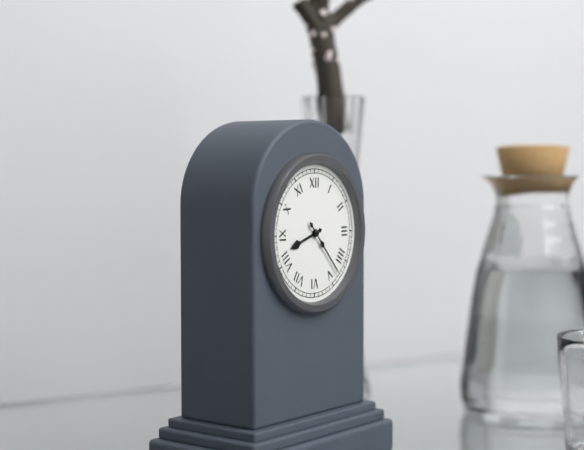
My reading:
**8:23**
